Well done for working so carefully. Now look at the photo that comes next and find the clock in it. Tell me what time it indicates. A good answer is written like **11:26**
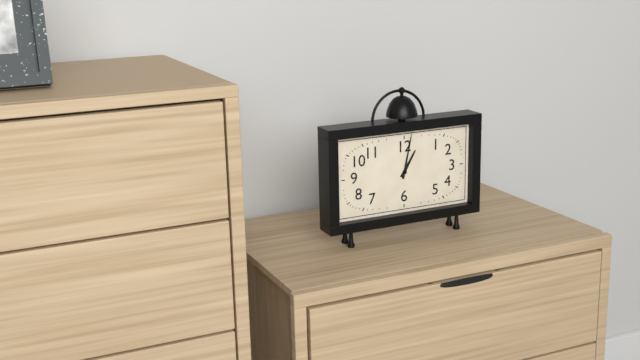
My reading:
**1:02**
